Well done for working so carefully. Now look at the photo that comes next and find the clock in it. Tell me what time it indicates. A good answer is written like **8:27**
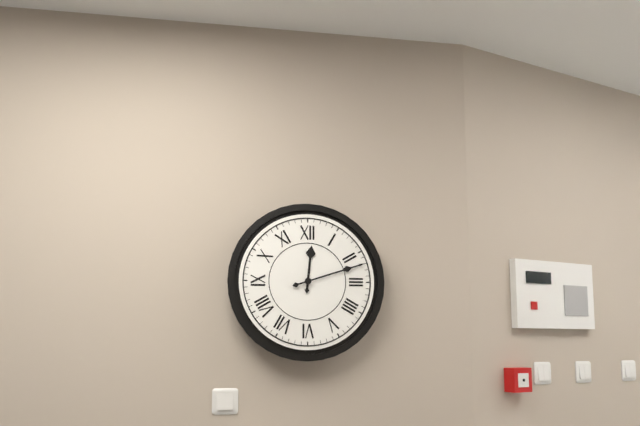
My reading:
**12:12**
